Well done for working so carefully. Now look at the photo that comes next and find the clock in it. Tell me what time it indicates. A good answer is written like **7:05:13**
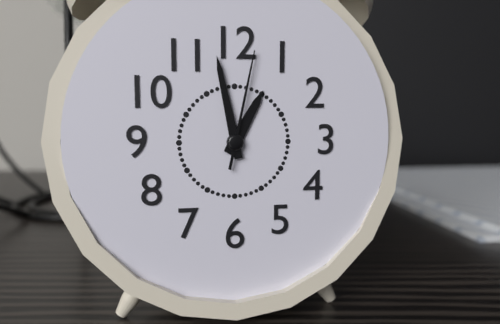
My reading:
**12:58:02**
